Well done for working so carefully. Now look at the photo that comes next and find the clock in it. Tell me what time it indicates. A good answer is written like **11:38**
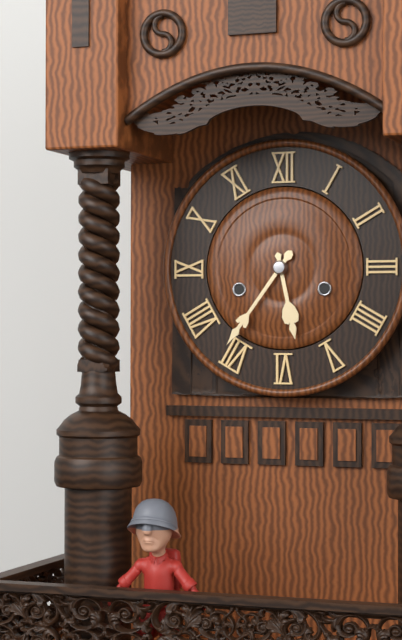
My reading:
**5:36**
